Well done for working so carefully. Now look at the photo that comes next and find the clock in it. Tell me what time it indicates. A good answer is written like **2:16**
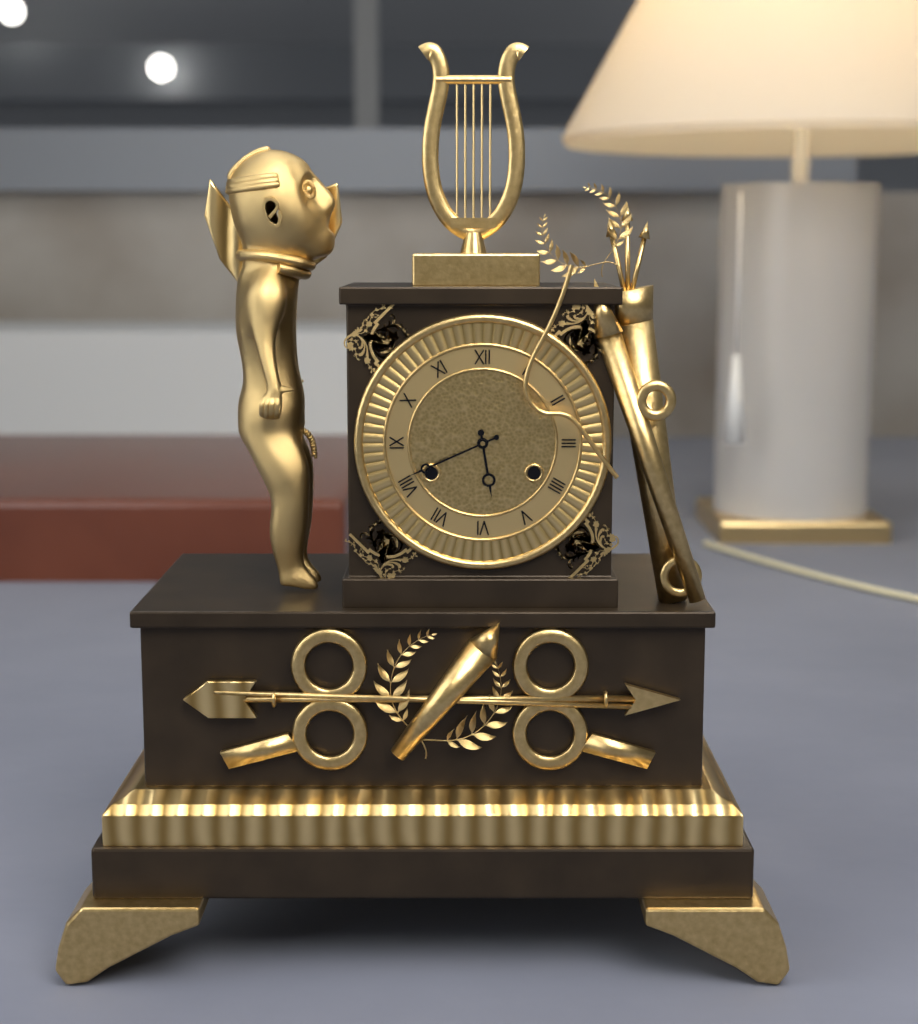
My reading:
**5:41**
